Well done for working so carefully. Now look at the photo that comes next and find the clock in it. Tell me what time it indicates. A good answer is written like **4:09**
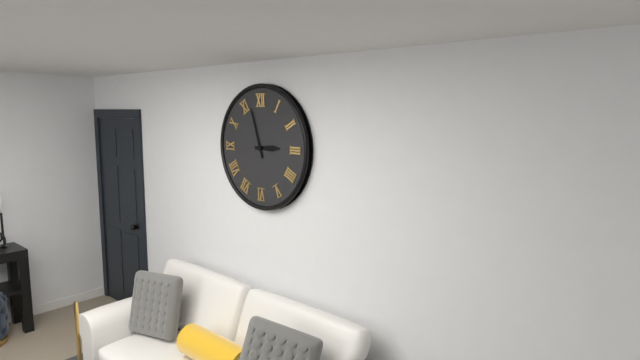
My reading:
**2:57**
